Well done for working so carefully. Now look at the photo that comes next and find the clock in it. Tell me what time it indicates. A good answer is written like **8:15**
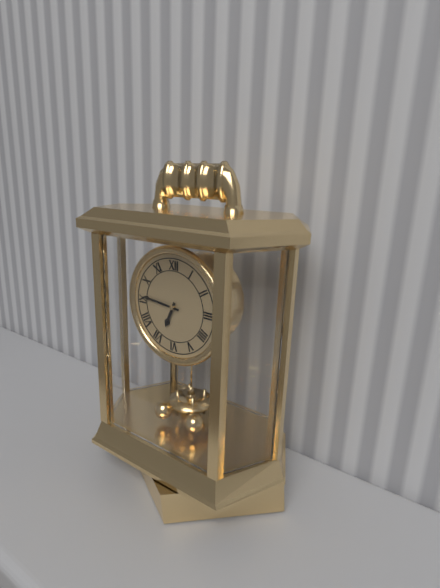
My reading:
**6:46**
